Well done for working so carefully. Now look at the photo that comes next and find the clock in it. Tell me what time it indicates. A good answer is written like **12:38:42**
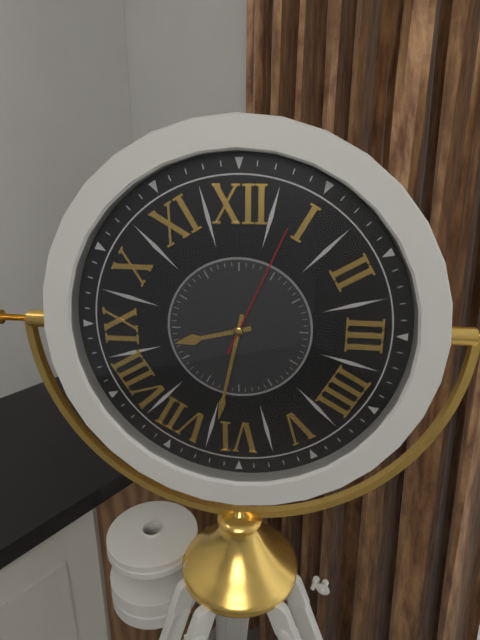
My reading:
**8:32:04**
